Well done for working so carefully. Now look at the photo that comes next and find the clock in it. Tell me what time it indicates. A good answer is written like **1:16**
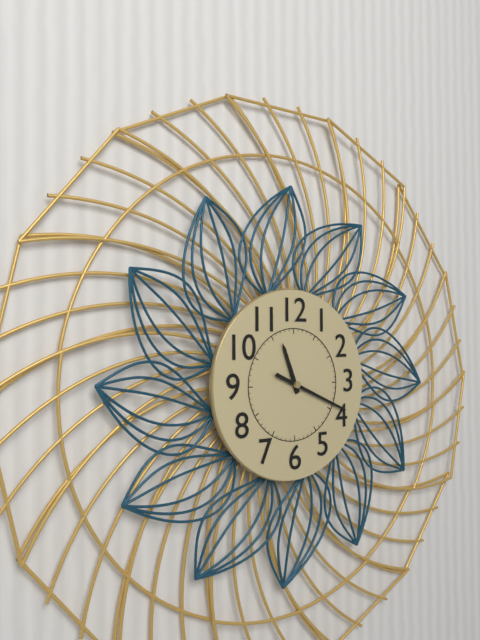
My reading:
**11:19**
